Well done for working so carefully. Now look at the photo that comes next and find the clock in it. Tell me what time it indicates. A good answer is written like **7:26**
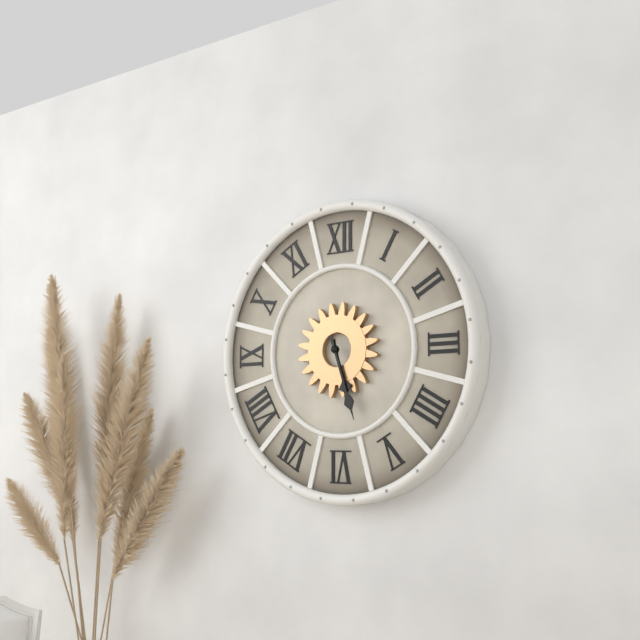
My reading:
**5:27**
